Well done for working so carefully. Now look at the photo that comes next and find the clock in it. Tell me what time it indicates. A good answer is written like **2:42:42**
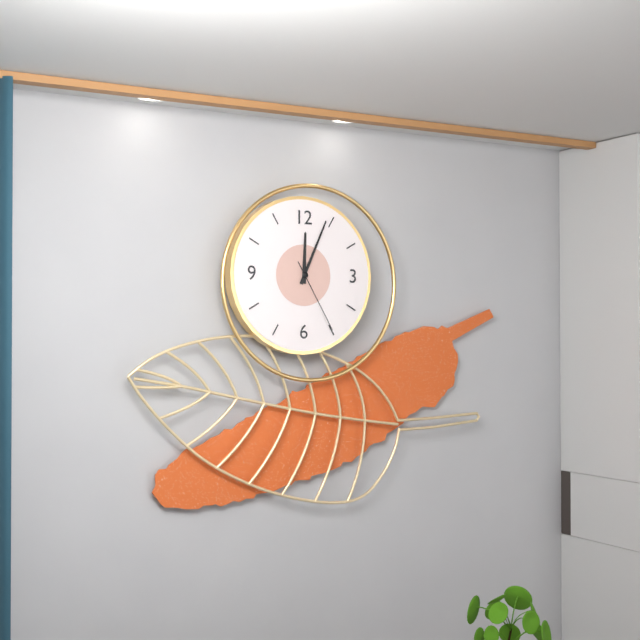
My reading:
**12:04:25**
